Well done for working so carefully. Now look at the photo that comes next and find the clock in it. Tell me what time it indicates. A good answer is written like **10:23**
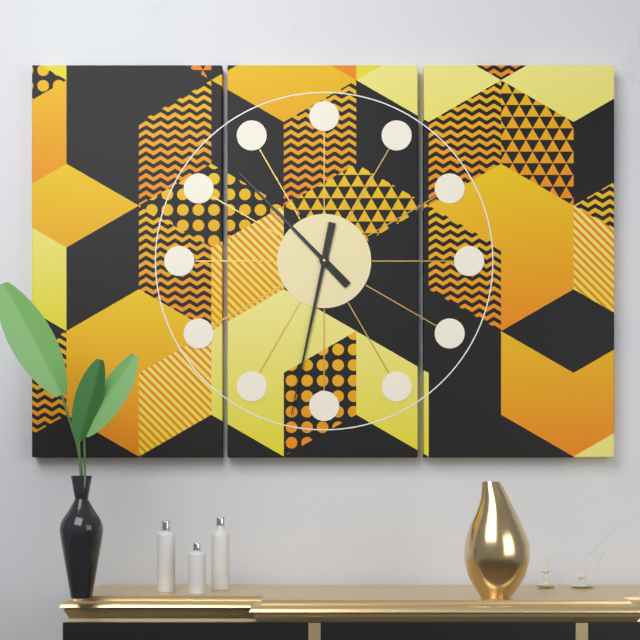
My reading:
**10:32**
